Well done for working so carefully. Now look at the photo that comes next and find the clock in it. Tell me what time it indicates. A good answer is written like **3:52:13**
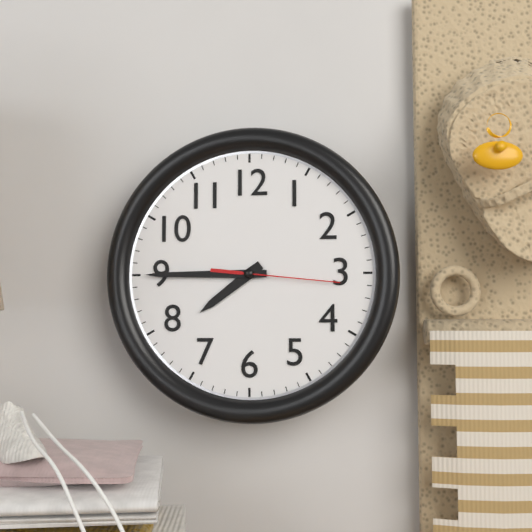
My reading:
**7:45:16**
